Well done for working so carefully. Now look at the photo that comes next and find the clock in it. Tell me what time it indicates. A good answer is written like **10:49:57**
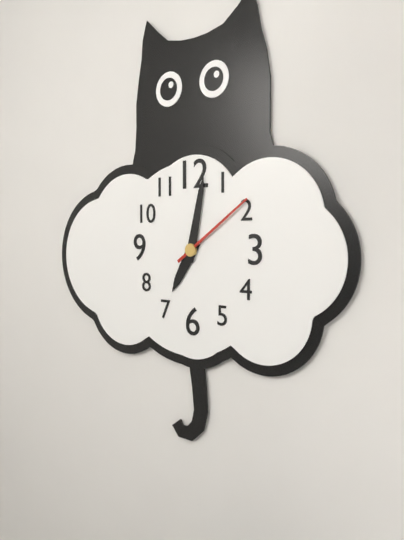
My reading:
**7:02:09**
